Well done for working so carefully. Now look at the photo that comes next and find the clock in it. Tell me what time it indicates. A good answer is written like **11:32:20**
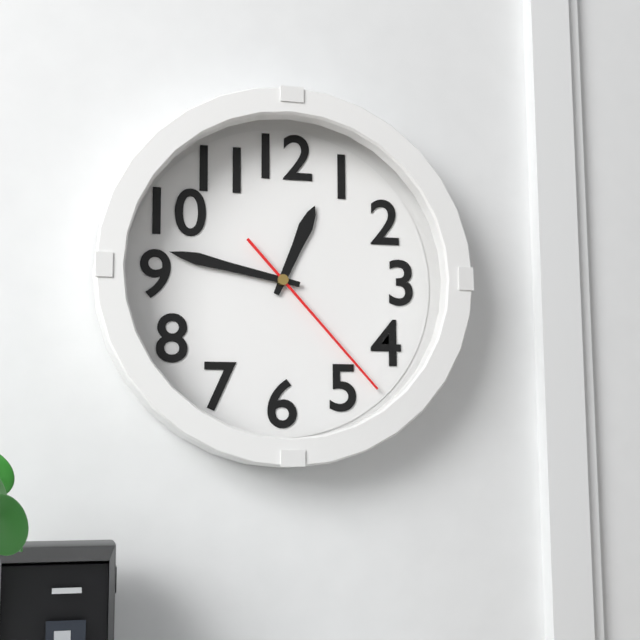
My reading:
**12:47:23**
